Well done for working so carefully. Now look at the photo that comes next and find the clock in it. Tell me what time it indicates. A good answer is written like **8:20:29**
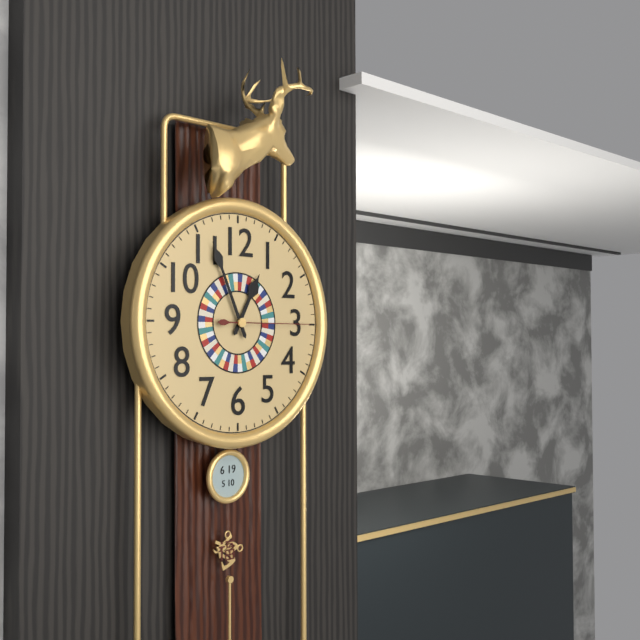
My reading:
**12:56:15**
